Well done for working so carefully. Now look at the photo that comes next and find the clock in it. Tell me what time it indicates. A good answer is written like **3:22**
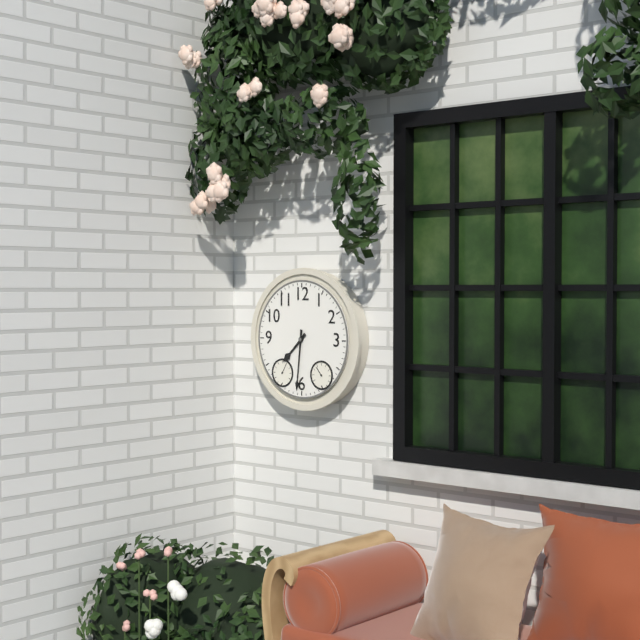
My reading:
**7:31**
